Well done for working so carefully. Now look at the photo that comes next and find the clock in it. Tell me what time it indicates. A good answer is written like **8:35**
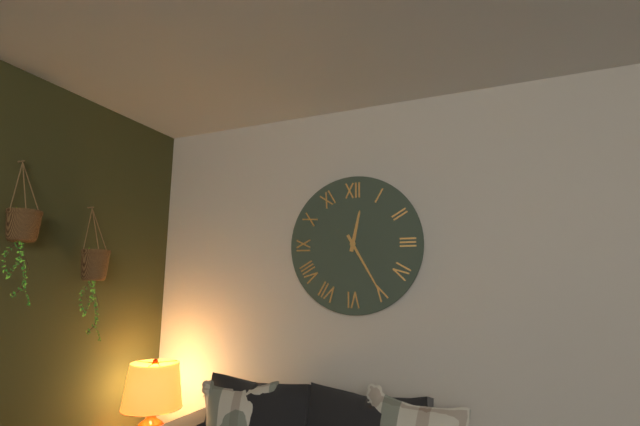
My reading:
**12:25**
